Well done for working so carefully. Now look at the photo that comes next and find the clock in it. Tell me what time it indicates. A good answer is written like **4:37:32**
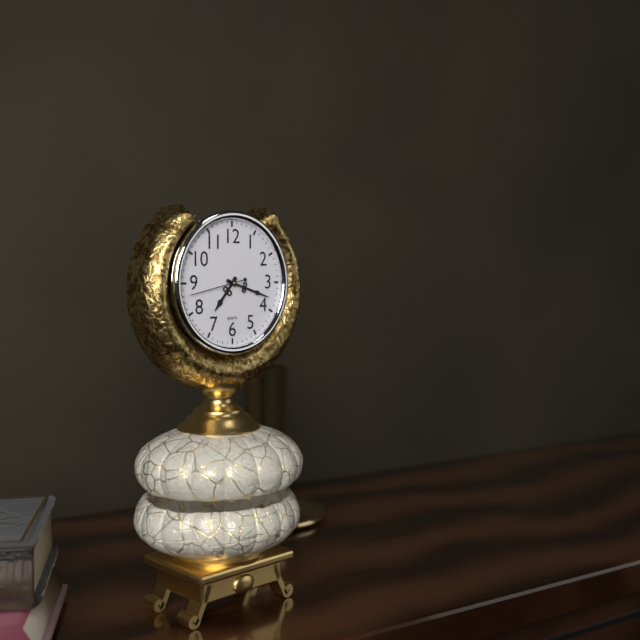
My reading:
**7:18:43**
